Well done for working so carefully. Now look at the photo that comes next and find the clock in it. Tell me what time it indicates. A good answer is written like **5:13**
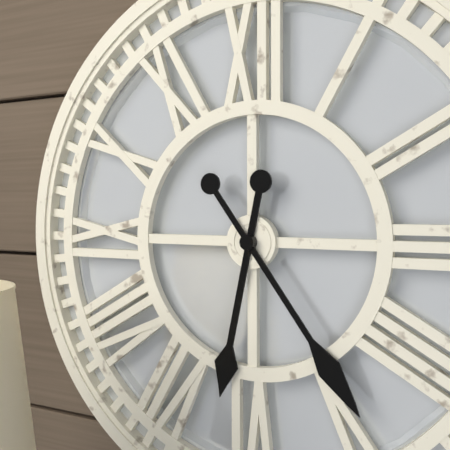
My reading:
**6:24**
